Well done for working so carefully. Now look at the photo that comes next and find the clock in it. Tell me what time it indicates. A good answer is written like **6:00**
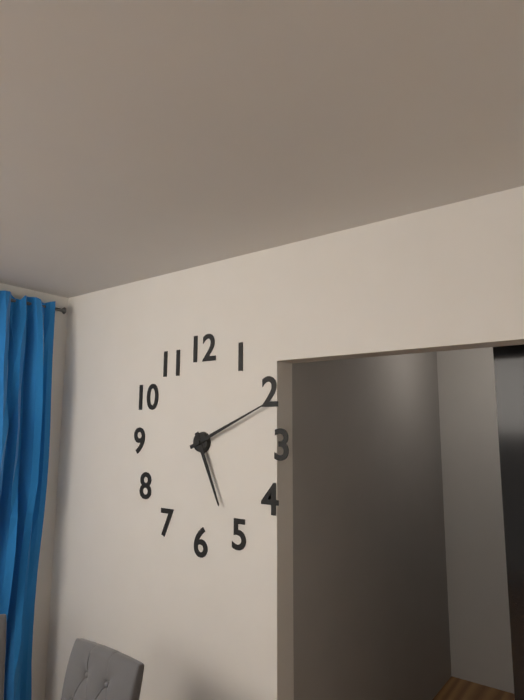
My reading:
**5:11**
